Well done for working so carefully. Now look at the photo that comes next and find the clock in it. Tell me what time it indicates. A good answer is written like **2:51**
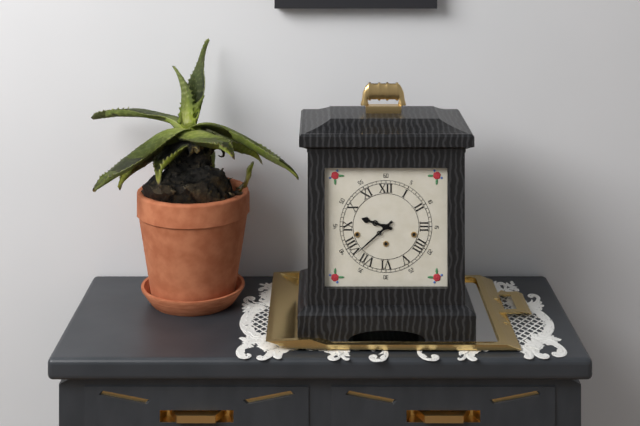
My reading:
**9:38**
